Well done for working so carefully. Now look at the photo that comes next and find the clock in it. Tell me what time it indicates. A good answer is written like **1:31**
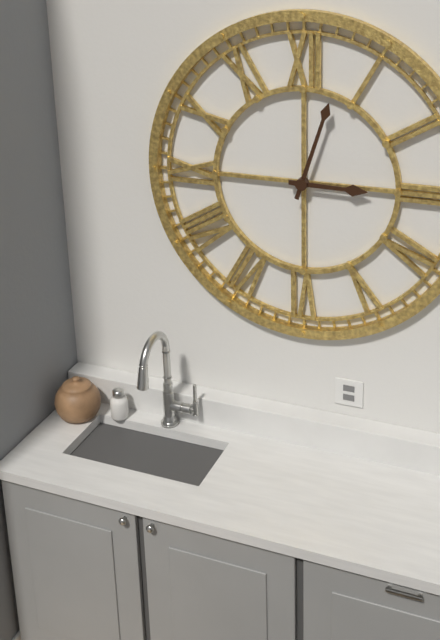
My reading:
**3:03**
